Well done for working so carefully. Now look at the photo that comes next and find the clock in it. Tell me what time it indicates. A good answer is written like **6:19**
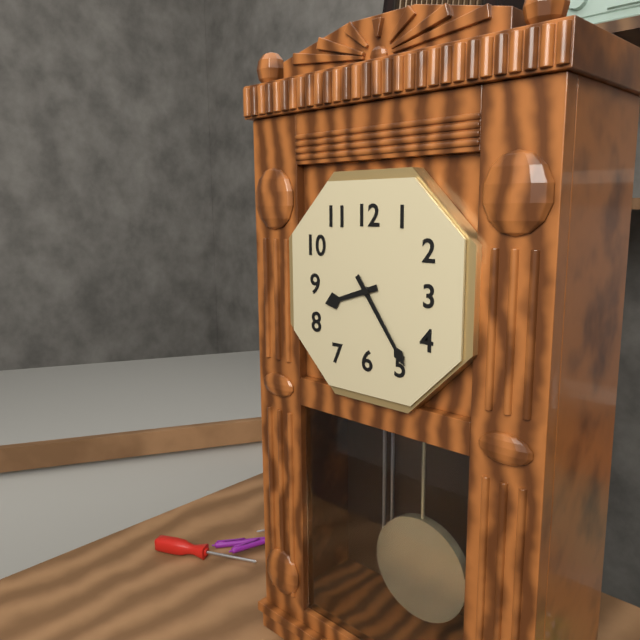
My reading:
**8:24**
